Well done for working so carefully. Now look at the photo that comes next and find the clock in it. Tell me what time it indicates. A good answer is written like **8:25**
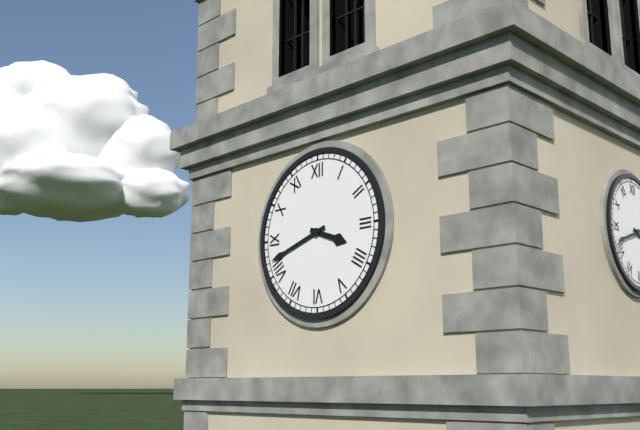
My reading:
**3:42**
